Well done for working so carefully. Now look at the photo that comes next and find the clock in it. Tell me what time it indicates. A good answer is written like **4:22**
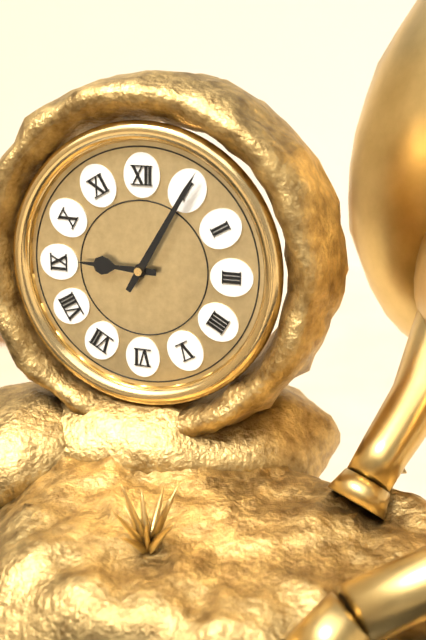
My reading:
**9:05**
